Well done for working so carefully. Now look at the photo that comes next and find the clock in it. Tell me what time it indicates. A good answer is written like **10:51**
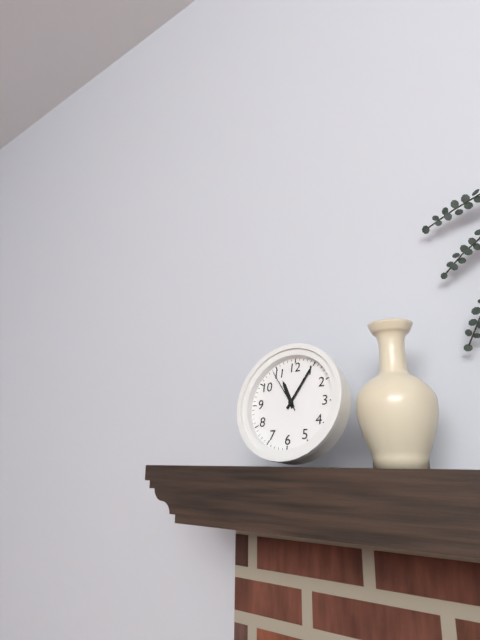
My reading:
**11:05**
